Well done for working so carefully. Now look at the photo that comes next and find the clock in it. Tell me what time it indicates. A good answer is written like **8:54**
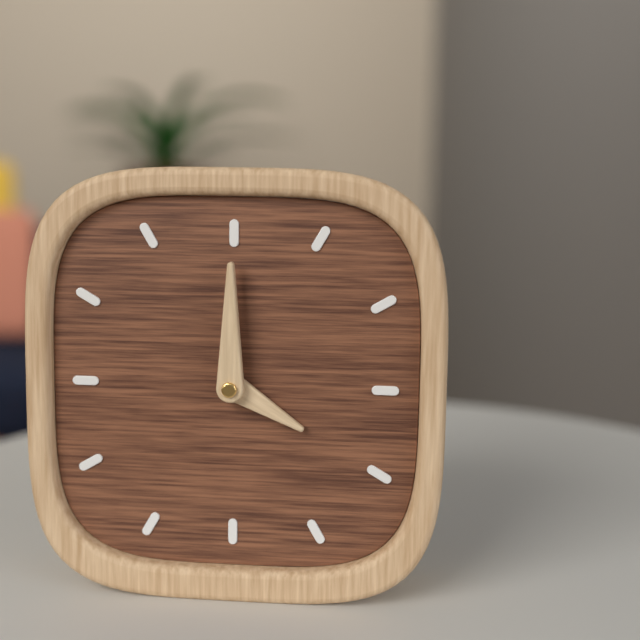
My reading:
**4:00**
